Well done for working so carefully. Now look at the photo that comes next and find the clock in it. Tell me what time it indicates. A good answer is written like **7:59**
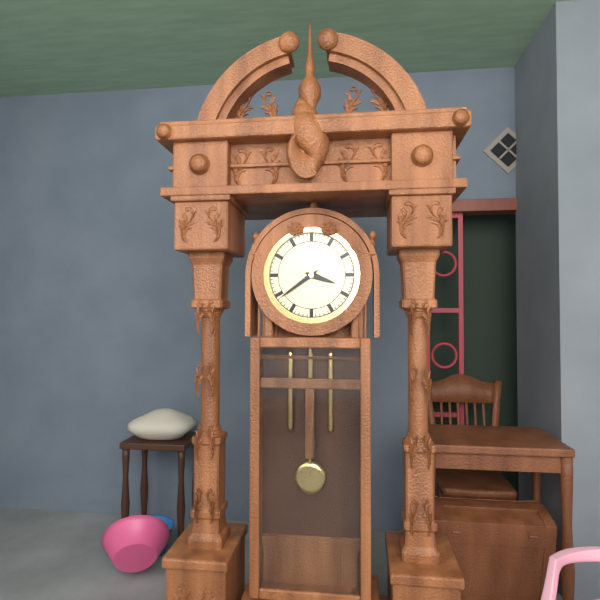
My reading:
**3:39**
